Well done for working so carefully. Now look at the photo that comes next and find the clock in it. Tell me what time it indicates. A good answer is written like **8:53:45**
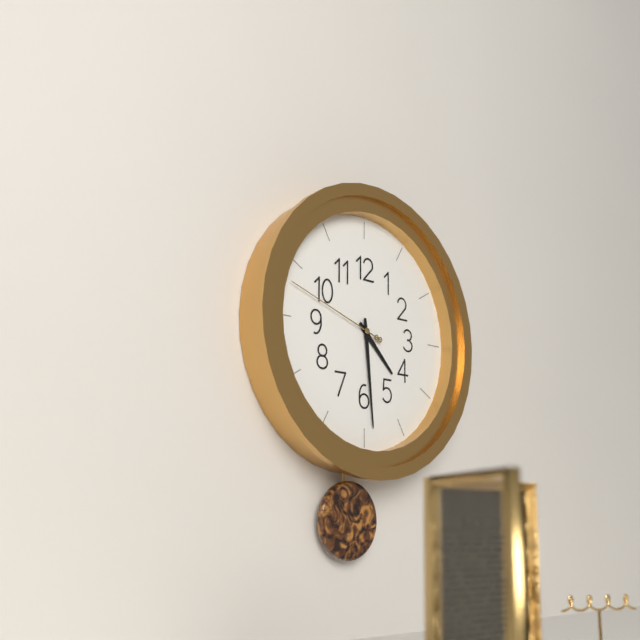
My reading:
**4:29:48**
